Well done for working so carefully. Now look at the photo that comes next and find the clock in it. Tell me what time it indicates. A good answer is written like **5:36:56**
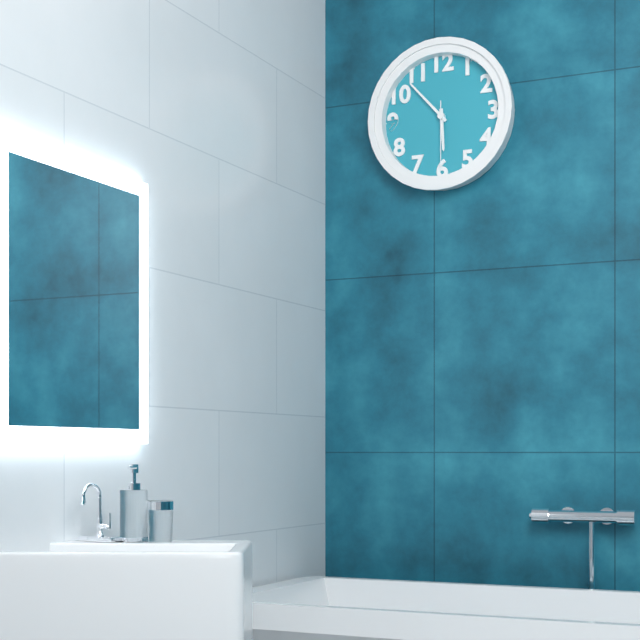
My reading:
**5:53:30**
